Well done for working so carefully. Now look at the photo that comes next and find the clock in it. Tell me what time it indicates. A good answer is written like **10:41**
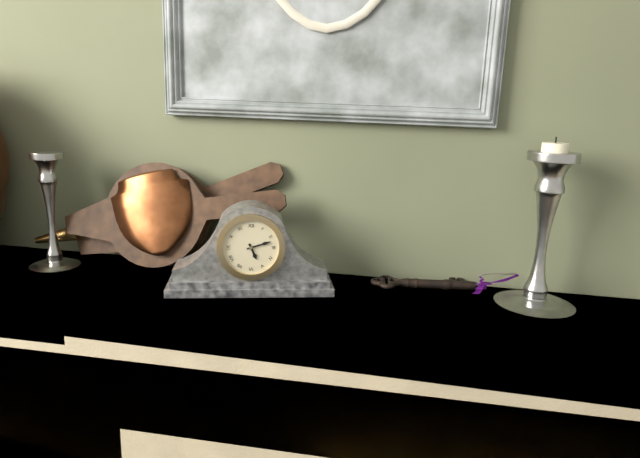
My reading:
**5:12**
